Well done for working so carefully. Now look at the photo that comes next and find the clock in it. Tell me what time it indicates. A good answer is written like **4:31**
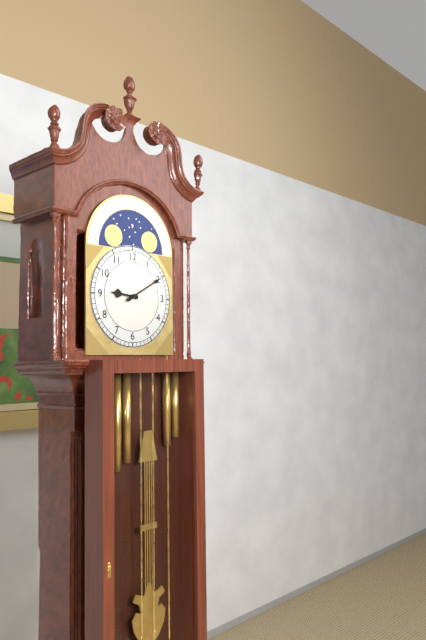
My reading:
**9:10**
